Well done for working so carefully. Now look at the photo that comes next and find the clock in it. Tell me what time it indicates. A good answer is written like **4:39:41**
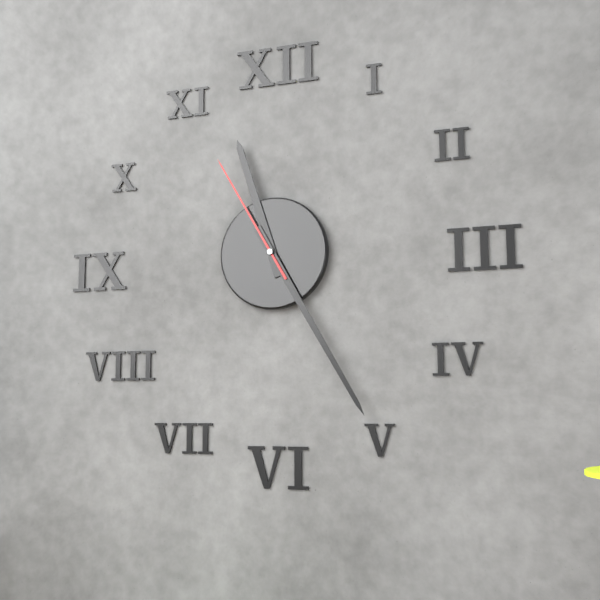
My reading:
**11:25:55**
